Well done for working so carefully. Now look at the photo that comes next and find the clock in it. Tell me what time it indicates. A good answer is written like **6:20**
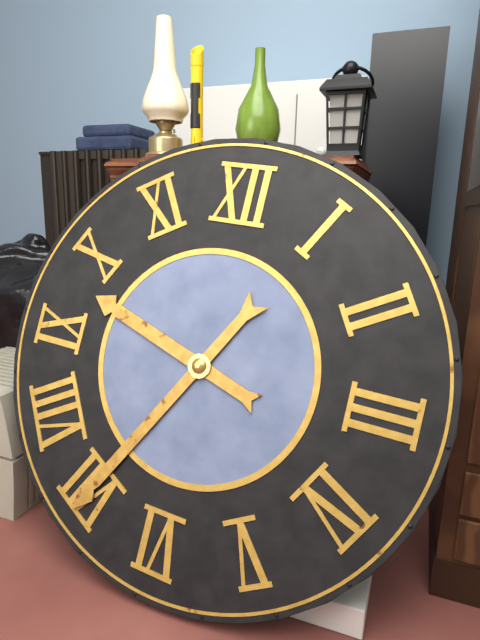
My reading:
**9:35**
